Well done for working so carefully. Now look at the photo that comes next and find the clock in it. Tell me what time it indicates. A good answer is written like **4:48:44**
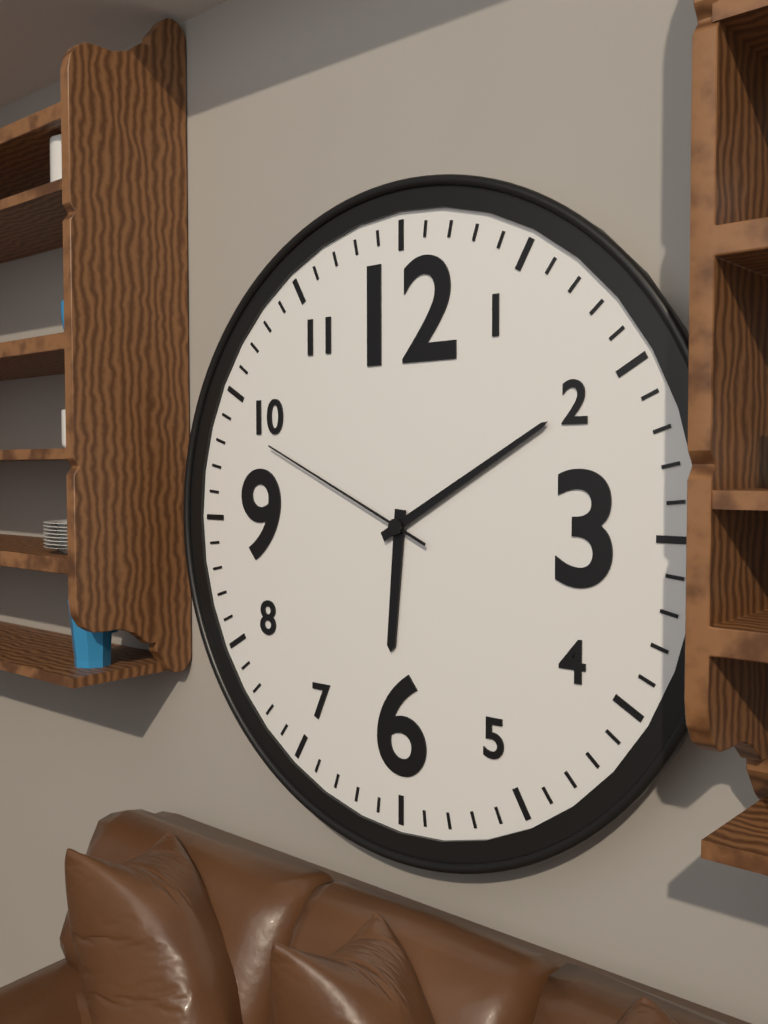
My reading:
**6:10:49**
